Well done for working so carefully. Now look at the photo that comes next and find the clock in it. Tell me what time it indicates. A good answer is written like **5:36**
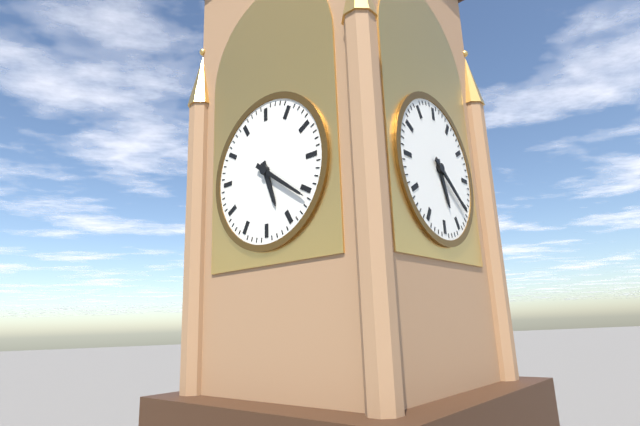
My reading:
**5:21**
